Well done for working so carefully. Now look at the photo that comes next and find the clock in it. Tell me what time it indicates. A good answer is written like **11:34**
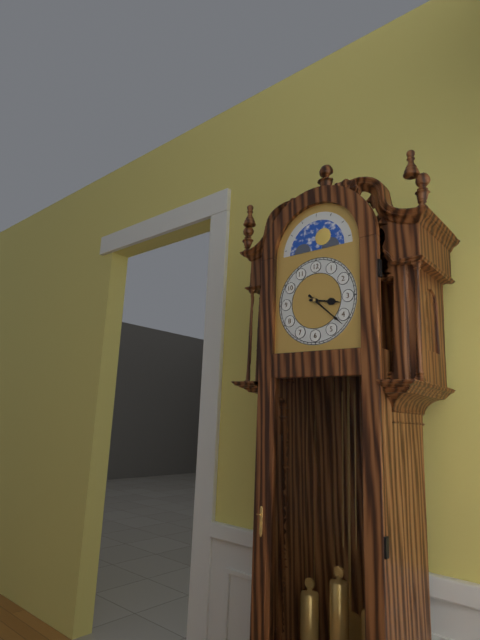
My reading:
**3:22**
